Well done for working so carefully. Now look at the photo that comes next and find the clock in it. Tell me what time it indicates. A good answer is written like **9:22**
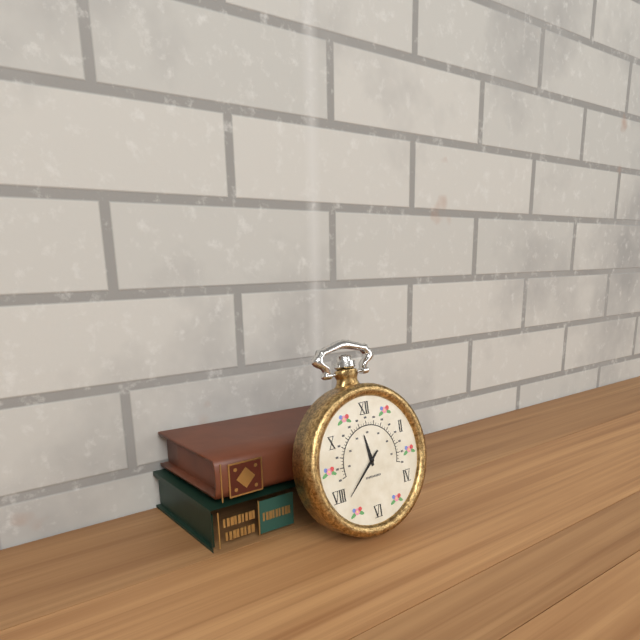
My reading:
**11:38**
